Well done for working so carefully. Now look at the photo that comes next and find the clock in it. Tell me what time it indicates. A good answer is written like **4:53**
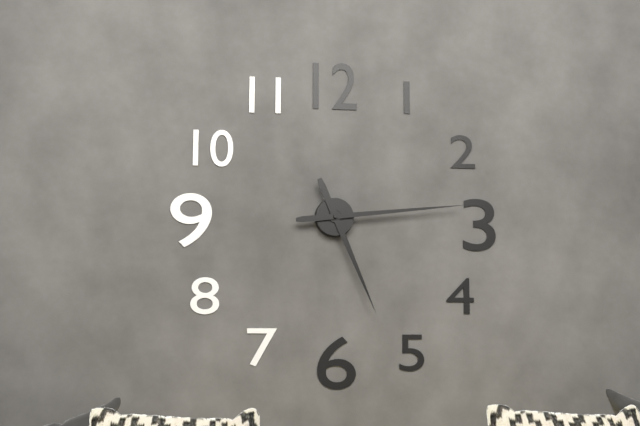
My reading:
**5:14**
